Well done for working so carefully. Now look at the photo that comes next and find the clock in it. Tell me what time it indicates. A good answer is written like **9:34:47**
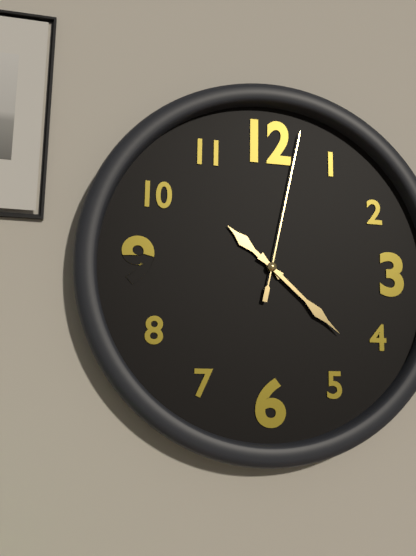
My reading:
**10:22:02**
